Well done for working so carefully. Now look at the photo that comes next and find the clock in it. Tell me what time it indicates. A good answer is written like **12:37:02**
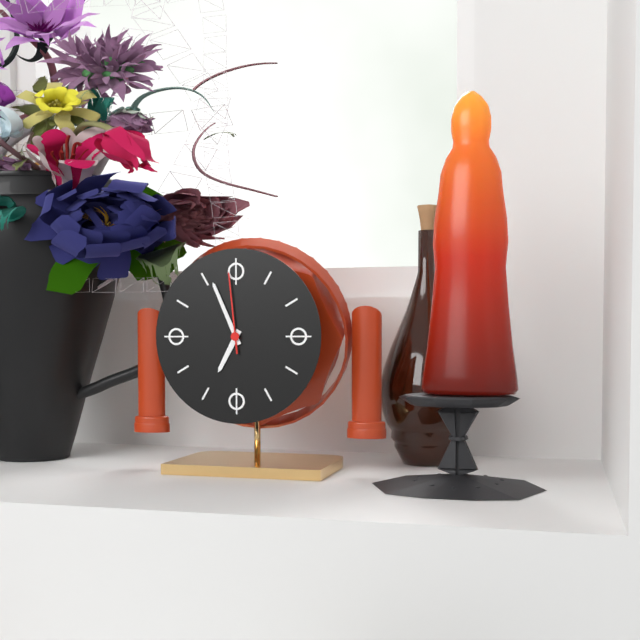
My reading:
**6:56:59**
